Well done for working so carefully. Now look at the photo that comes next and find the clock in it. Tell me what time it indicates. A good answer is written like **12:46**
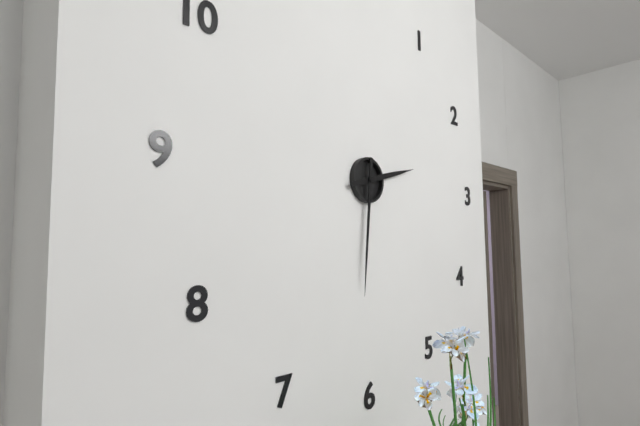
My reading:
**2:31**
